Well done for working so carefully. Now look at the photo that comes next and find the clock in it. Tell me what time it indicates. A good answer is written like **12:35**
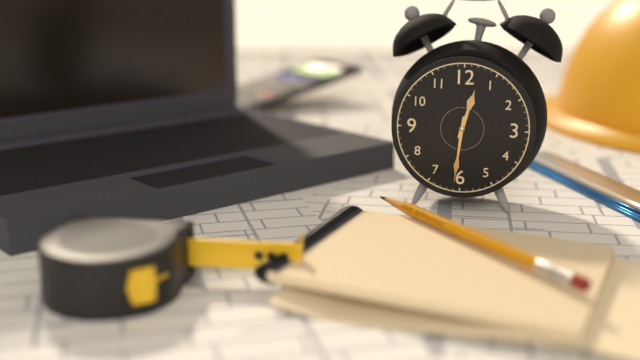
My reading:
**12:31**
